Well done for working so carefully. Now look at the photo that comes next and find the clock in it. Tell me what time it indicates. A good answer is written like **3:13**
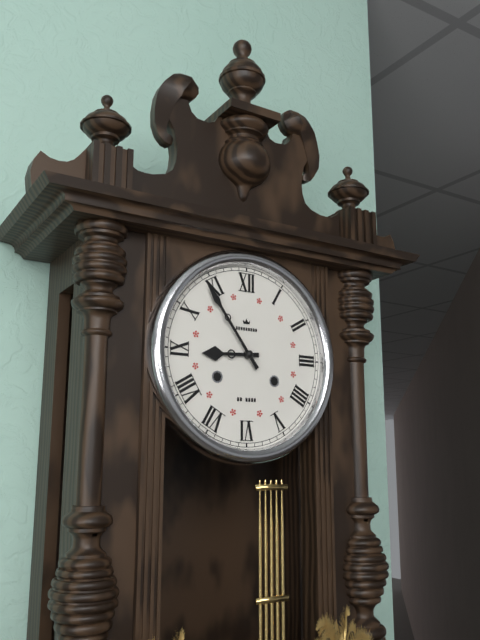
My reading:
**8:54**
